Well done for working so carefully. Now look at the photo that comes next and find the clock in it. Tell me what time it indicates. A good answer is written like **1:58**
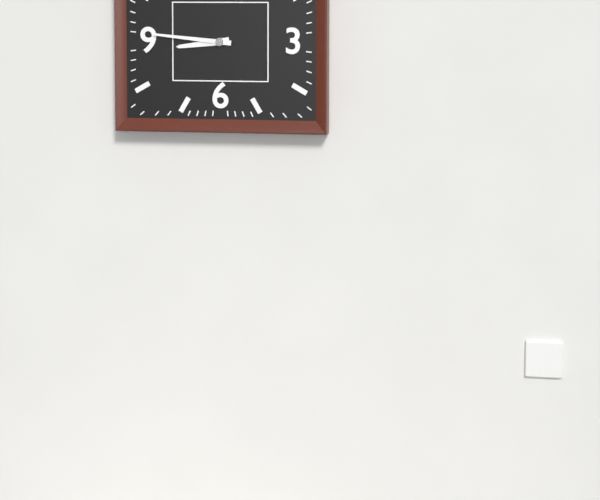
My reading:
**8:46**
